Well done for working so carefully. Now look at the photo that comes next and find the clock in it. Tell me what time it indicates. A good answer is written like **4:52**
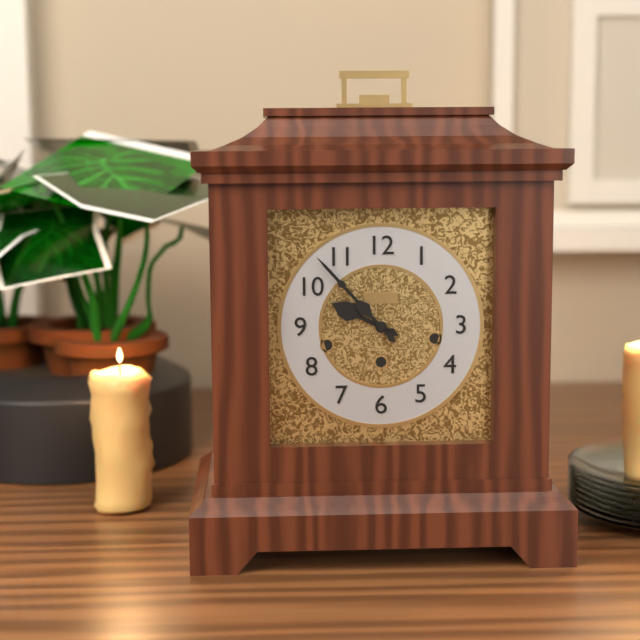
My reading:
**9:53**
